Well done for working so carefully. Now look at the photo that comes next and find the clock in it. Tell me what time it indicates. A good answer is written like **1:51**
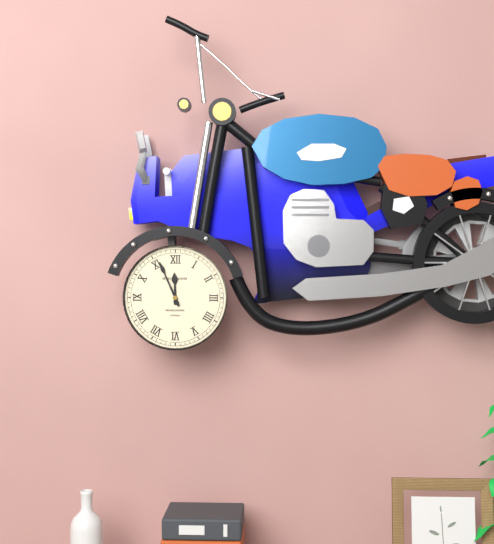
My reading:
**11:56**
